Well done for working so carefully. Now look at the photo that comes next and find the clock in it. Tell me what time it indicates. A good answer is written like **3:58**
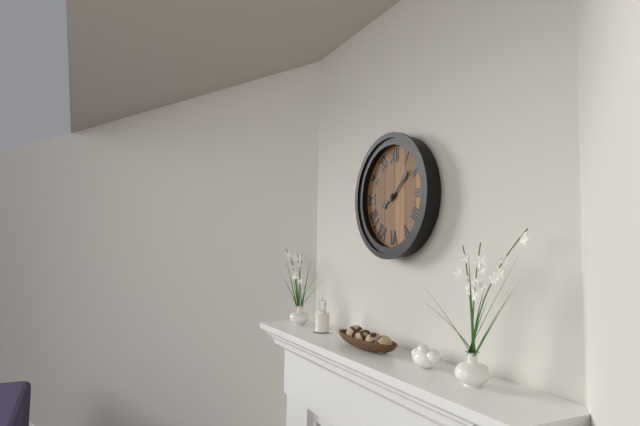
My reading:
**8:08**
